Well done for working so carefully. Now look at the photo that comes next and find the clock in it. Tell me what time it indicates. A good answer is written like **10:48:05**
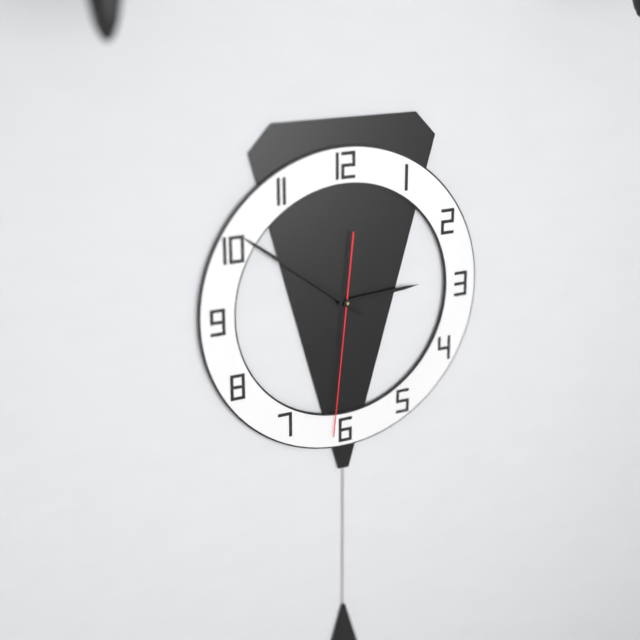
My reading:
**2:51:31**
